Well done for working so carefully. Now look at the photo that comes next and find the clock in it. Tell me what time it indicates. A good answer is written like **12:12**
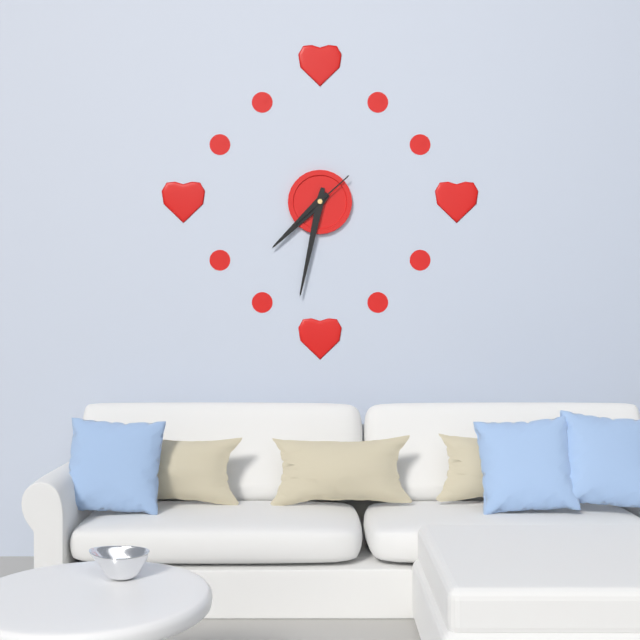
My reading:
**7:32**
